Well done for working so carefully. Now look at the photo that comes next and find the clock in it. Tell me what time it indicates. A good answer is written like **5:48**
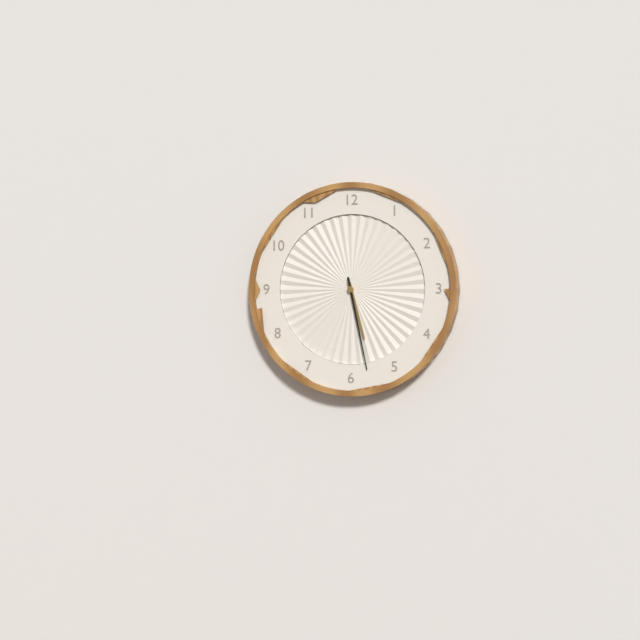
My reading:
**5:28**
